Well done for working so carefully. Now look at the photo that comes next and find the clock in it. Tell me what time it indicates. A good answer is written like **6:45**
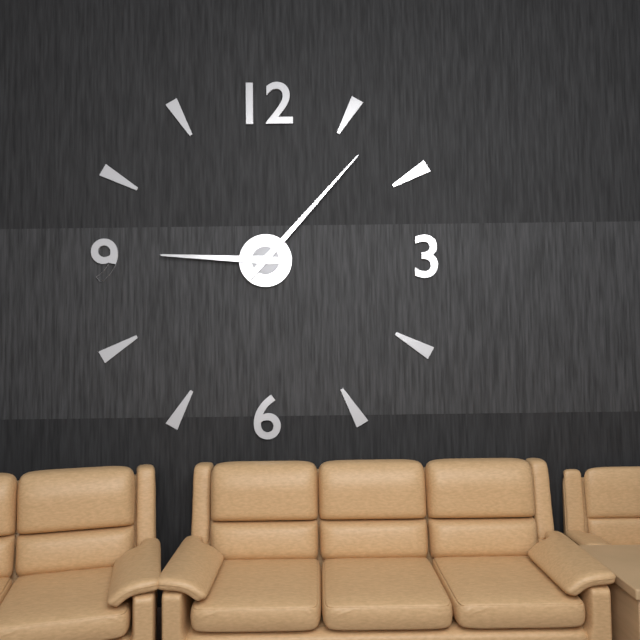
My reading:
**9:07**
